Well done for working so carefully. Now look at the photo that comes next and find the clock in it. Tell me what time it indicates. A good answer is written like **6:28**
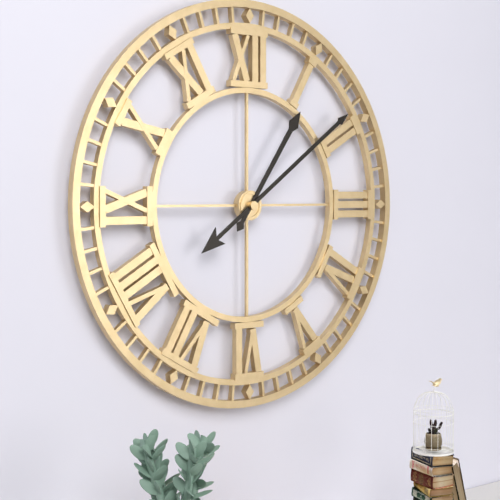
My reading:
**1:09**
